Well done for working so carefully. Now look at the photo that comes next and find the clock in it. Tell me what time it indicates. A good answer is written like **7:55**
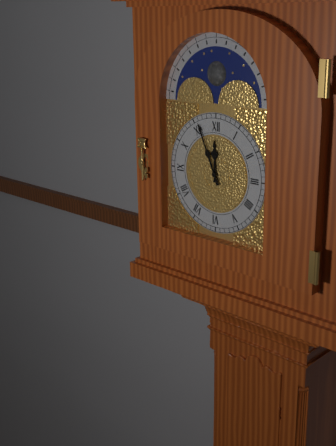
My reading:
**11:56**
